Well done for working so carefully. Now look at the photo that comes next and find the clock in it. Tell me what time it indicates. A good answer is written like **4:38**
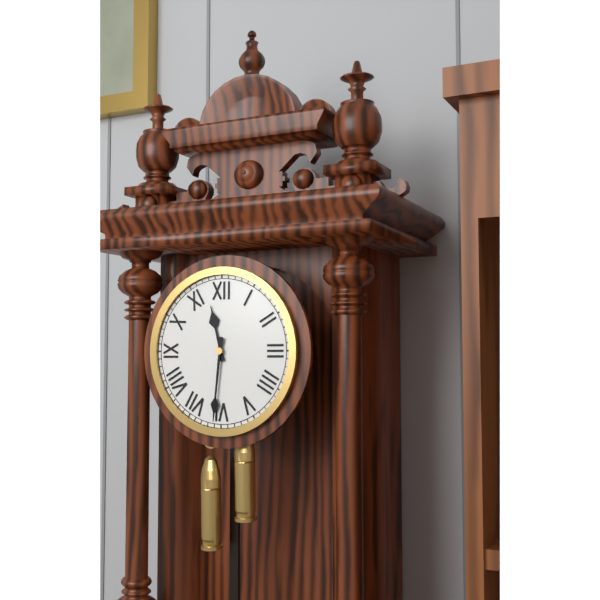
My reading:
**11:31**
